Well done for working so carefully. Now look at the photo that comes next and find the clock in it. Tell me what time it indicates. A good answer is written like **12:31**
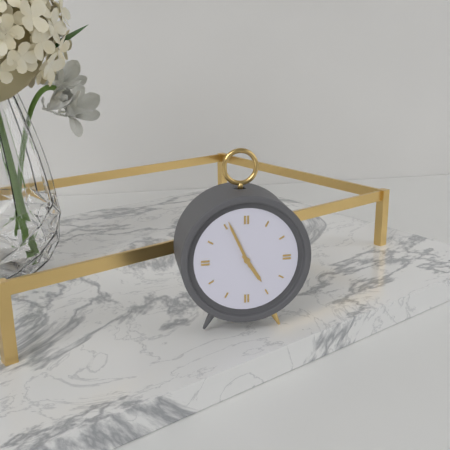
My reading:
**4:56**
